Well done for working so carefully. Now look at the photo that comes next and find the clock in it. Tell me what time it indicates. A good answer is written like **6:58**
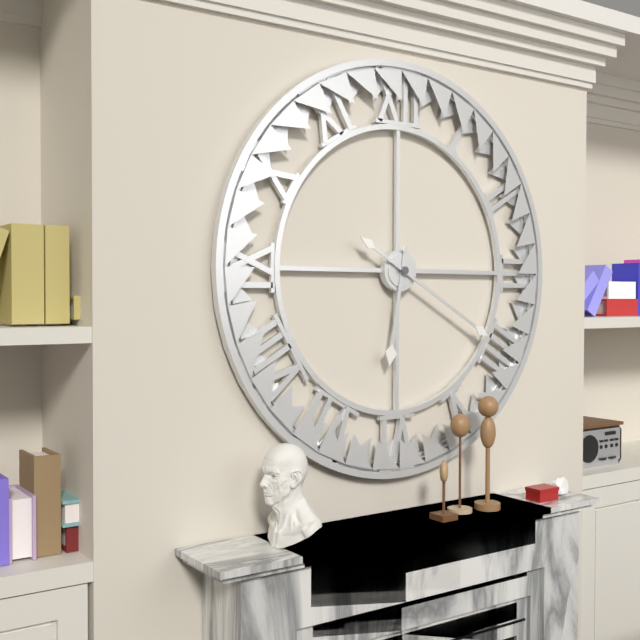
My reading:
**6:20**
